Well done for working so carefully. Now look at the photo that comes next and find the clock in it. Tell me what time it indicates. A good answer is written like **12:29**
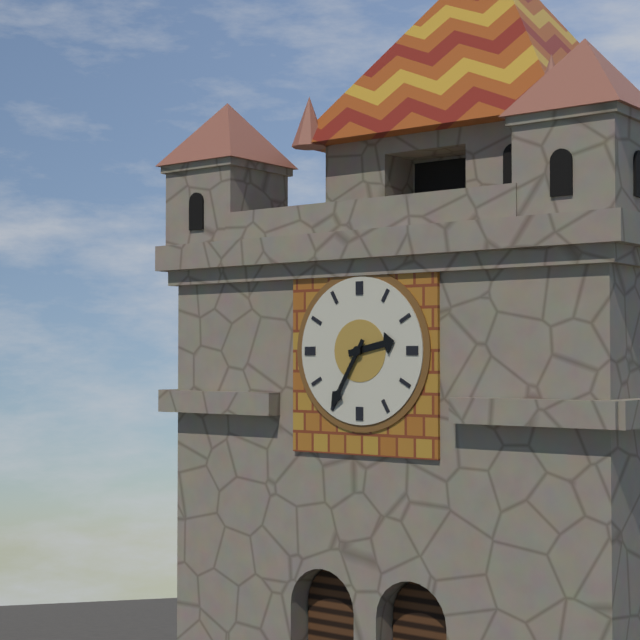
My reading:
**2:35**
